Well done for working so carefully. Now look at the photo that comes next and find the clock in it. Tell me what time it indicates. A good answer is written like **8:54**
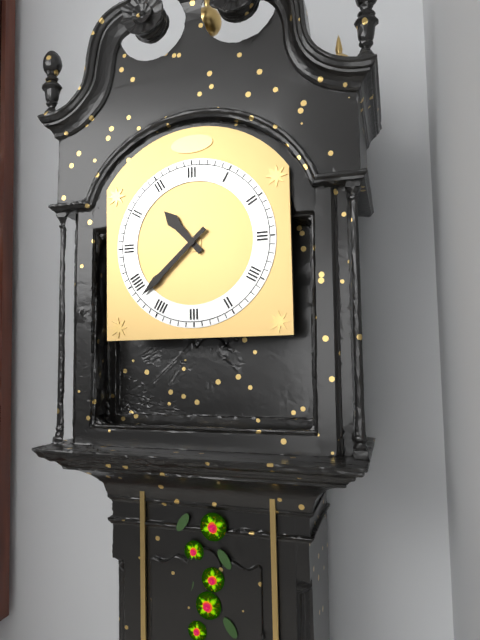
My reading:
**10:38**
